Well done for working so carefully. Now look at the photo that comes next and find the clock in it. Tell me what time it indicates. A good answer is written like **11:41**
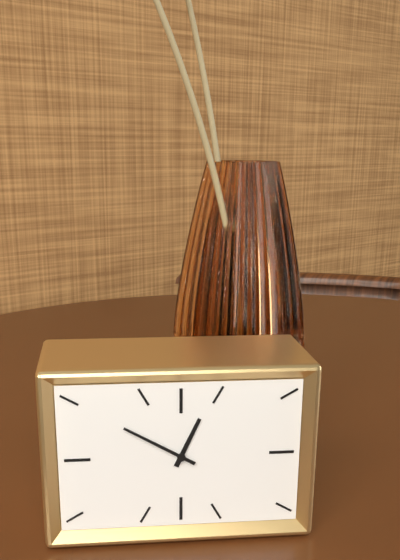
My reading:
**12:50**
